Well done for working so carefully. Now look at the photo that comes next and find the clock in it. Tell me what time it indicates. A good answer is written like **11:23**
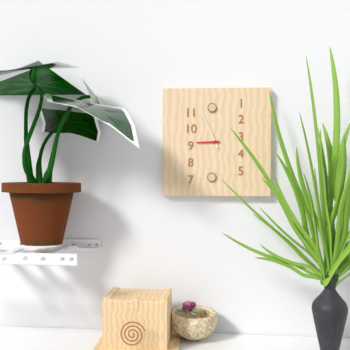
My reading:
**8:56**
